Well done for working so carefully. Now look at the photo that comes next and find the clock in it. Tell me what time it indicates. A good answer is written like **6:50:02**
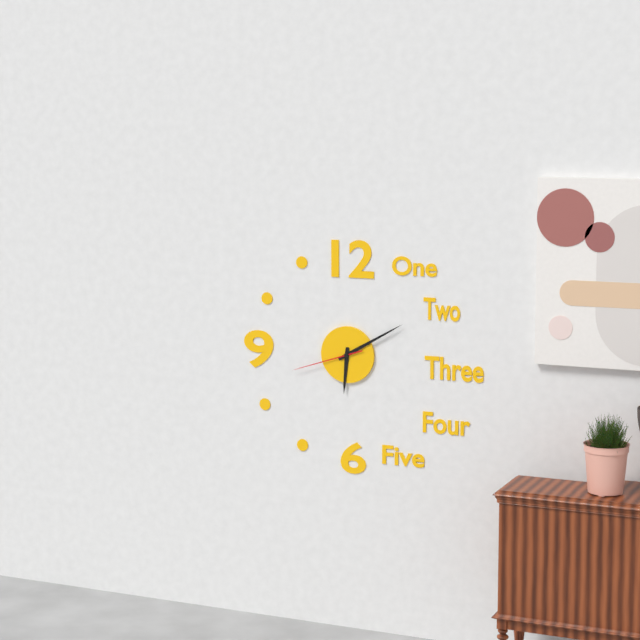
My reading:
**6:10:42**
